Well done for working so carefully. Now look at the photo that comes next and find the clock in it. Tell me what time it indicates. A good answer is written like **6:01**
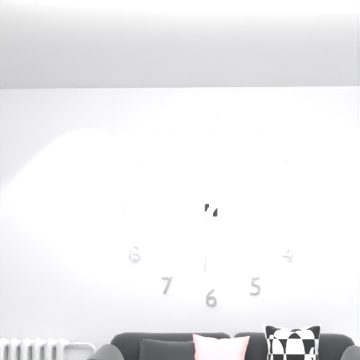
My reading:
**1:31**
